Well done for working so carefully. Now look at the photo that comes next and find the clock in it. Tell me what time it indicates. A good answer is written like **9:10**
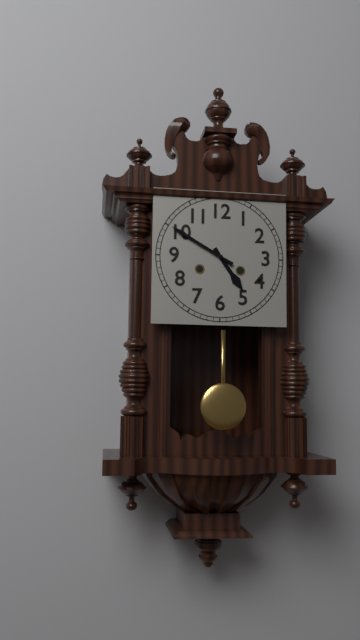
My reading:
**4:50**
